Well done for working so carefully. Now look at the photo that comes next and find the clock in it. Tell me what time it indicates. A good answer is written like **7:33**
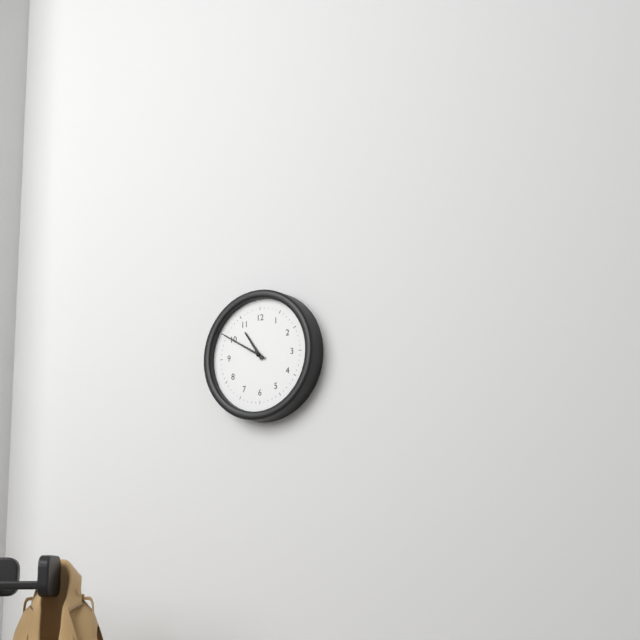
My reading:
**10:50**
